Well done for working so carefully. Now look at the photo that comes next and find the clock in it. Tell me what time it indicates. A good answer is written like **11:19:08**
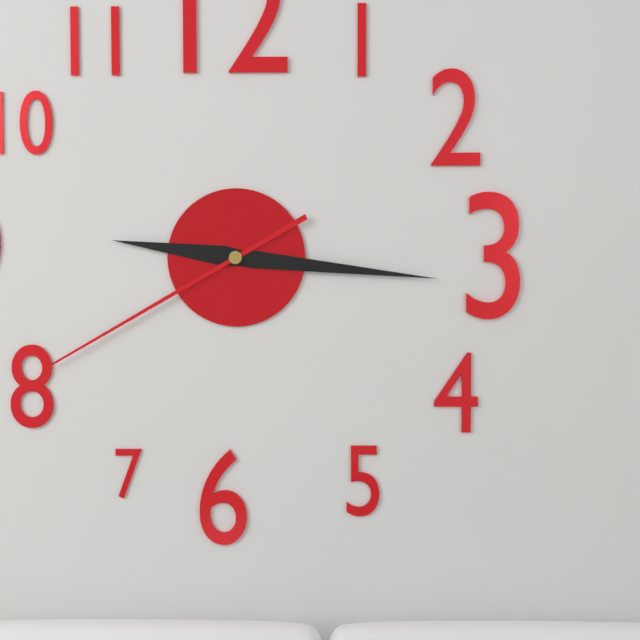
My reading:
**9:16:40**
